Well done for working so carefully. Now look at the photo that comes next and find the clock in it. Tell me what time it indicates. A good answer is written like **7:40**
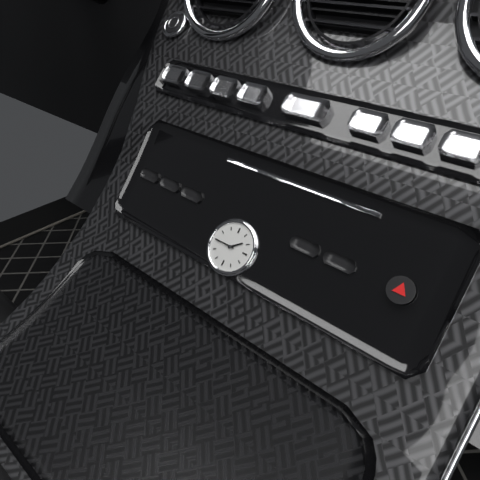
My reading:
**1:45**
